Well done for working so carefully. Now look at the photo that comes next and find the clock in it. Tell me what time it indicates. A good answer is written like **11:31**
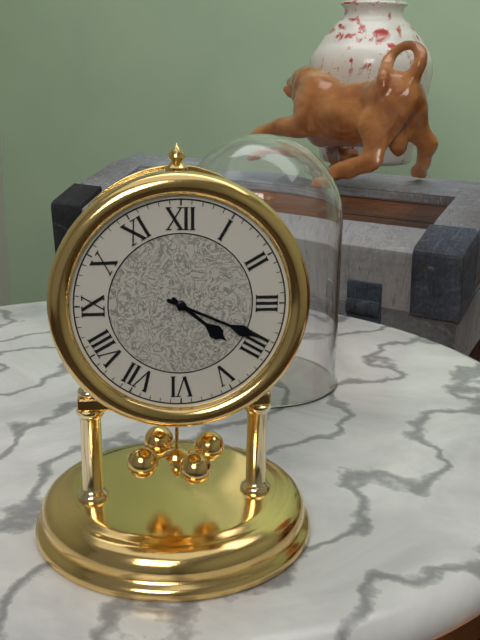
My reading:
**4:19**
